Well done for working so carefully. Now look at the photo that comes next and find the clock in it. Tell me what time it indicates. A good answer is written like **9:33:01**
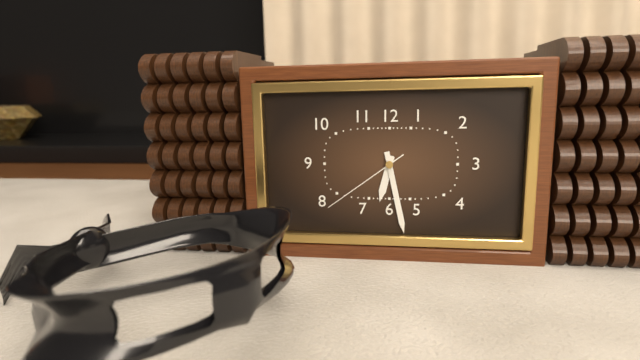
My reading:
**6:28:39**
